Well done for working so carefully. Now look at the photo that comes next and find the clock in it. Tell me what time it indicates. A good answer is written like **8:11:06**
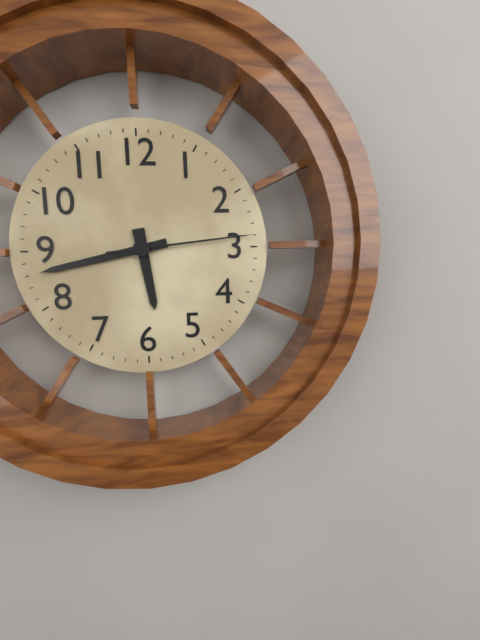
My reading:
**5:43:14**
